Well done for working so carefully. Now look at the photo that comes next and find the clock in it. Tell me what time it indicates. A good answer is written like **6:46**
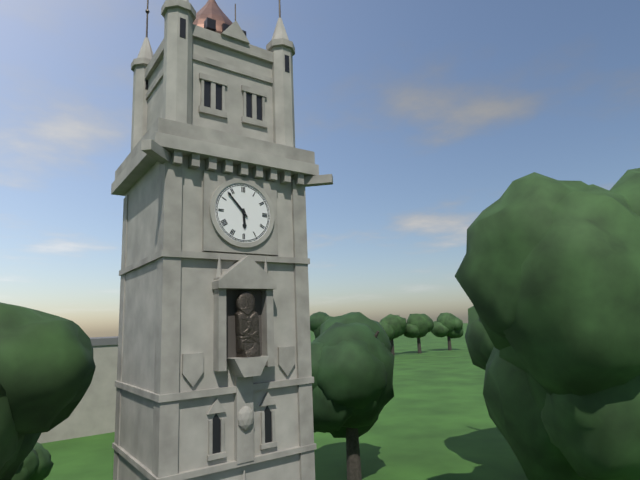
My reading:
**5:53**
